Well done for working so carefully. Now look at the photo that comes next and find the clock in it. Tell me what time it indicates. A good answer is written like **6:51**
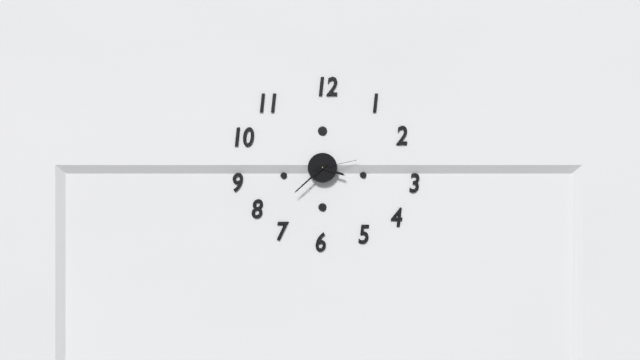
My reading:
**3:38**
